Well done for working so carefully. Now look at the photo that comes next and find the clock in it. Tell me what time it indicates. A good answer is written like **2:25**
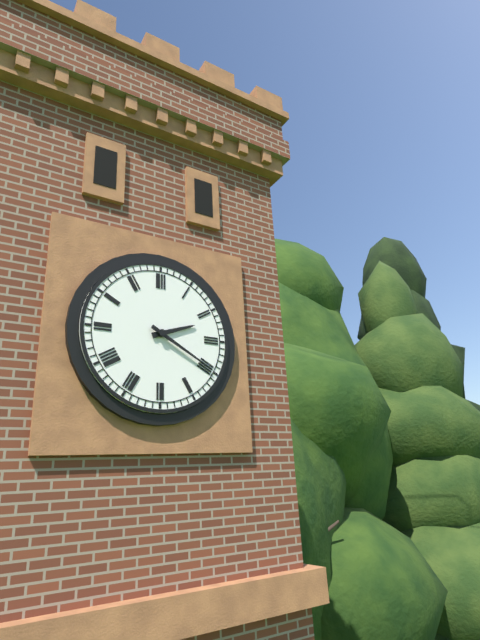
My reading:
**2:20**
